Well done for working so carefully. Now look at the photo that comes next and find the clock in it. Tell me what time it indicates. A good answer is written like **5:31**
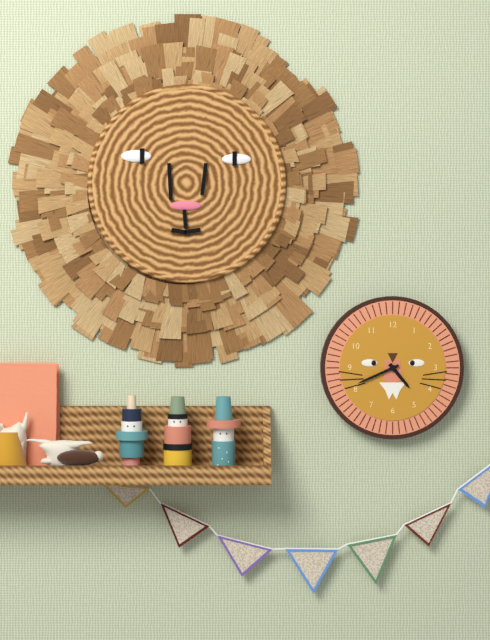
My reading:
**4:41**
